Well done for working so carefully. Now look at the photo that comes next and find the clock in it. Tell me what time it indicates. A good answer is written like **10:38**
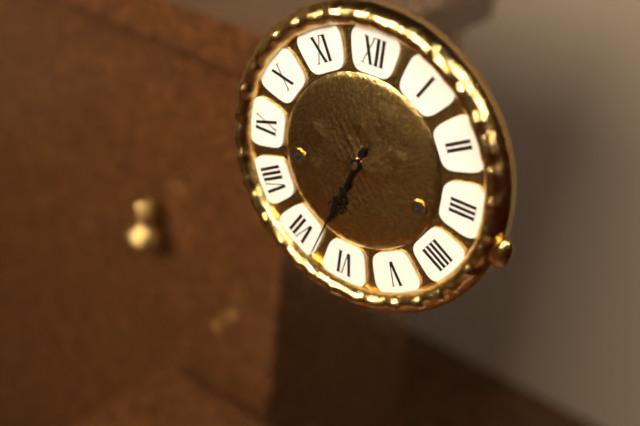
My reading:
**6:33**
